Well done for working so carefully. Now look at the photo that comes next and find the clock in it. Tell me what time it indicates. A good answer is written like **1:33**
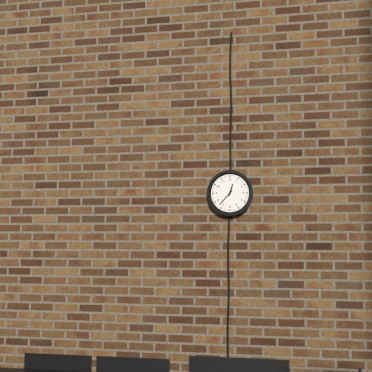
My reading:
**12:37**
